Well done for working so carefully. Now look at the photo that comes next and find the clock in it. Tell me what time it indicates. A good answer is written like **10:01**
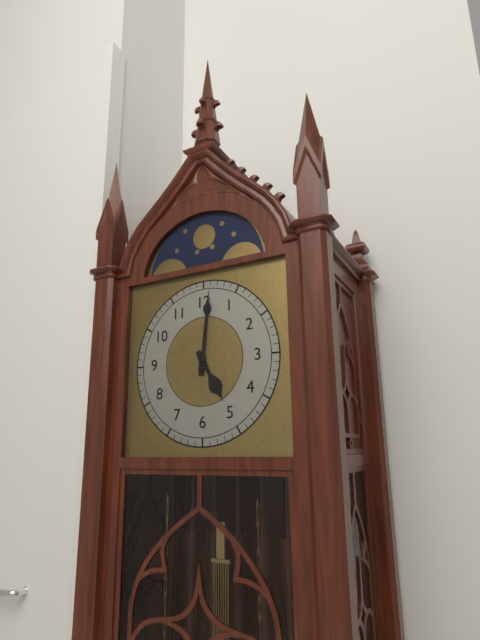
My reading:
**5:01**
